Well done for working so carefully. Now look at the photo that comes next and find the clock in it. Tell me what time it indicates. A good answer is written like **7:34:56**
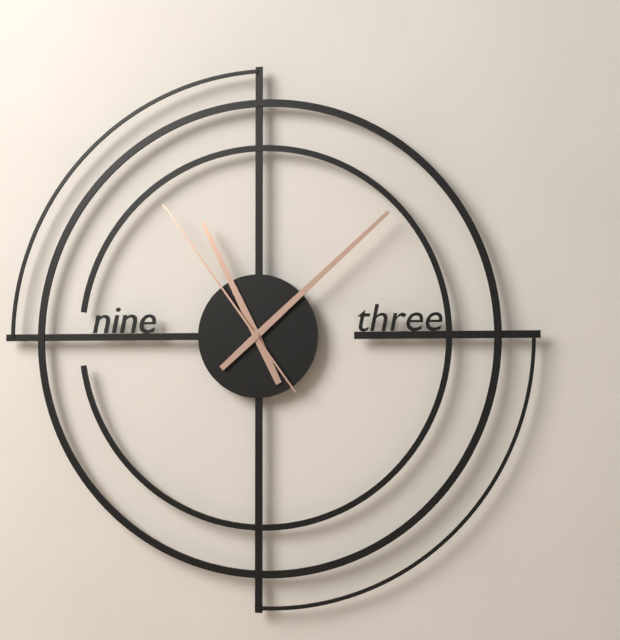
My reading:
**11:08:54**
